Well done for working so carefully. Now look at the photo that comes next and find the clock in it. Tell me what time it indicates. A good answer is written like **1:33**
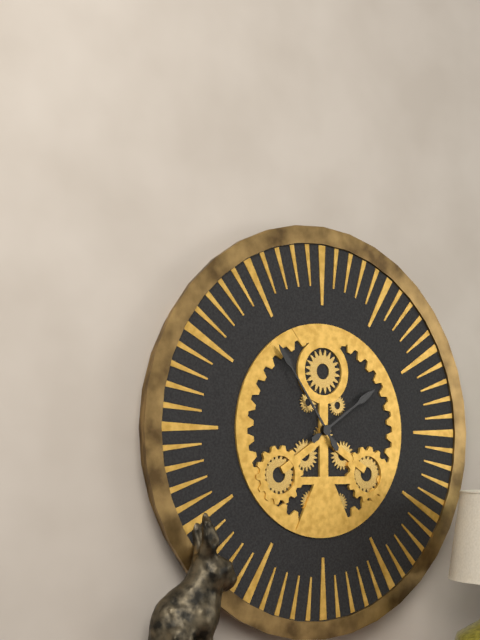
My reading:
**1:54**
